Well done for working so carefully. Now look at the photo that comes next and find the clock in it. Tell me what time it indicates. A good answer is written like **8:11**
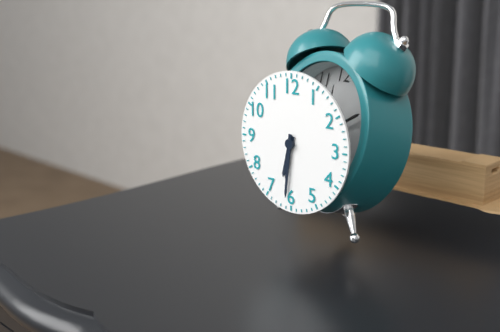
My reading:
**6:31**
